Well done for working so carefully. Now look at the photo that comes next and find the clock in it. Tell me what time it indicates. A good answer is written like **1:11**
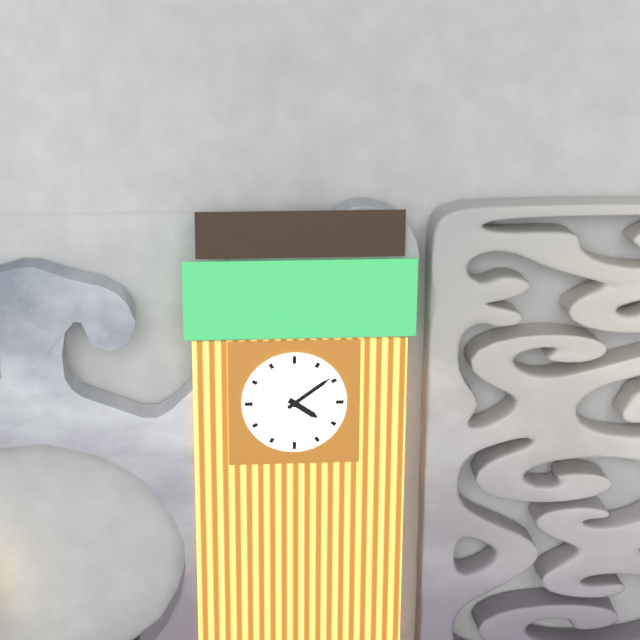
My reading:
**4:09**
